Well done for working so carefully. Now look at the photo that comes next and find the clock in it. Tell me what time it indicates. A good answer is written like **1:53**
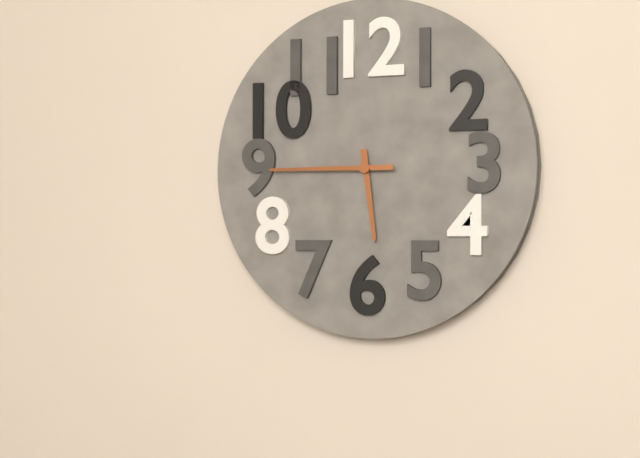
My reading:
**5:45**
